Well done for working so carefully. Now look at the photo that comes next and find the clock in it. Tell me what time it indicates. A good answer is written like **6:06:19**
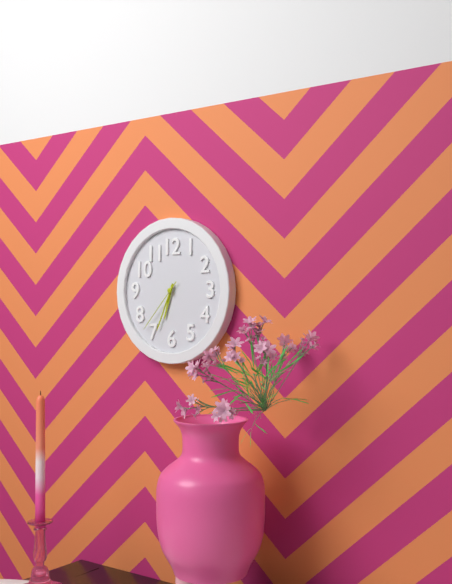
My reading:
**6:34:37**
